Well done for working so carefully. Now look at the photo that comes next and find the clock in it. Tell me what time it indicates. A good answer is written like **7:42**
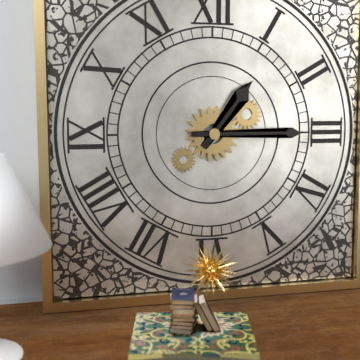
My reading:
**1:15**
